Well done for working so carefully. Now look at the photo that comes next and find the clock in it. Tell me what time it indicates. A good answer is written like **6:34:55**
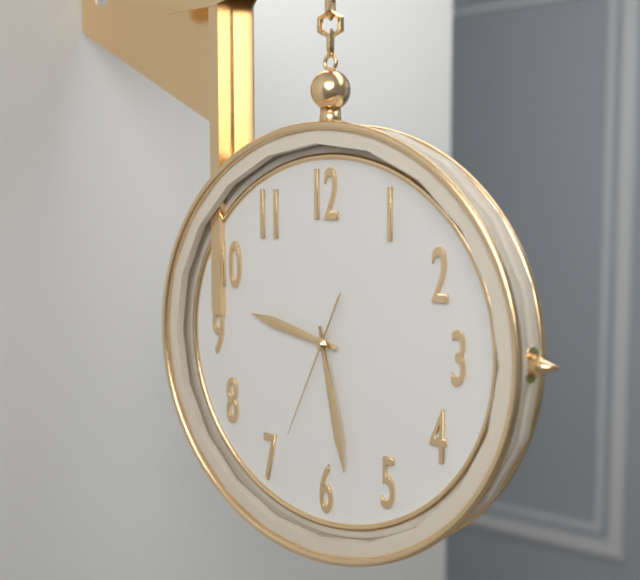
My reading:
**9:28:34**
